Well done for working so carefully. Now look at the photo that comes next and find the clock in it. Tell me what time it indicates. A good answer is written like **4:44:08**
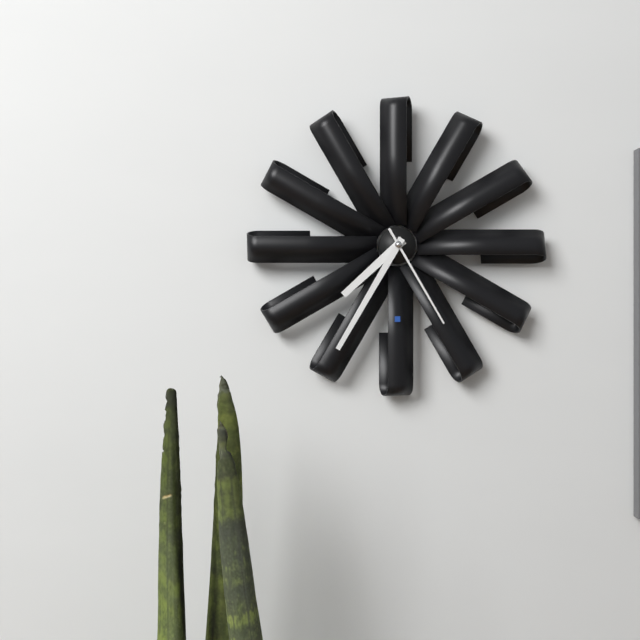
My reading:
**7:35:25**
